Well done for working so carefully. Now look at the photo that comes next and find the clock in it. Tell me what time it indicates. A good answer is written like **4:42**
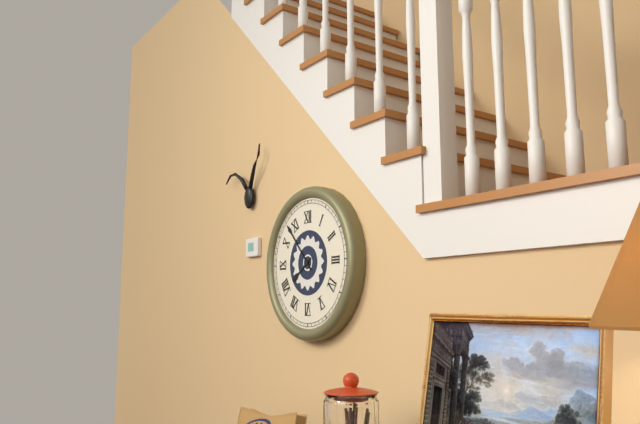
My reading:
**7:53**
